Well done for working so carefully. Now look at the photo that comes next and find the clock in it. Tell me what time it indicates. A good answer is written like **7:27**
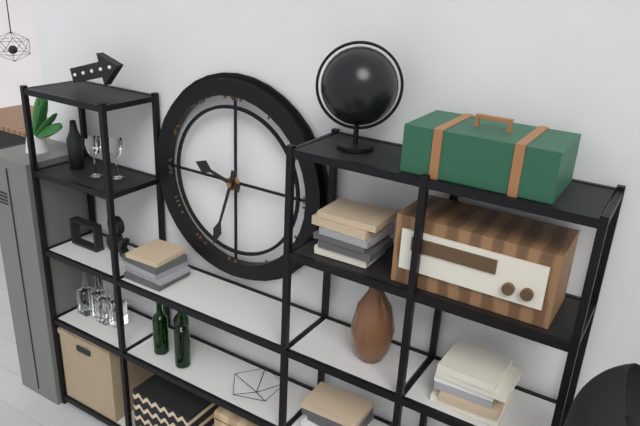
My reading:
**9:33**
